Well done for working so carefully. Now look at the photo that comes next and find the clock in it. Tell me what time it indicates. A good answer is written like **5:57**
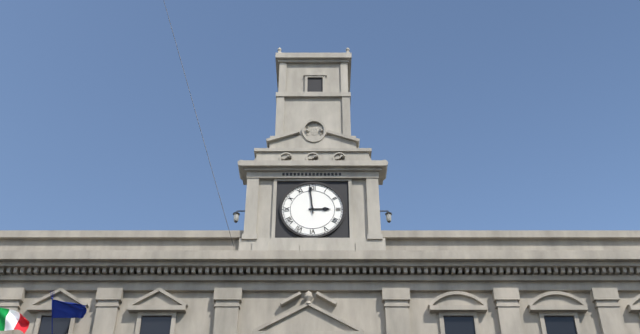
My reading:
**2:59**
